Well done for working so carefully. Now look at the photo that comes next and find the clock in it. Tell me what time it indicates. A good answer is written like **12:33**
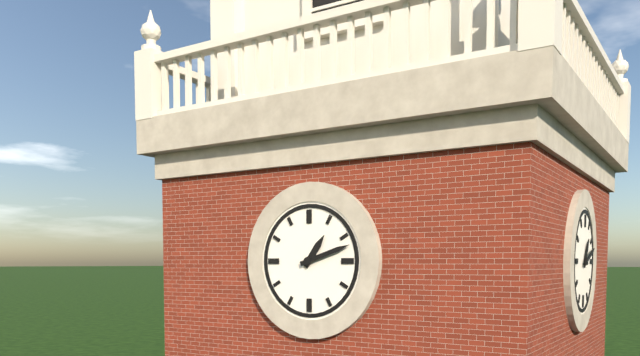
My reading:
**1:12**
